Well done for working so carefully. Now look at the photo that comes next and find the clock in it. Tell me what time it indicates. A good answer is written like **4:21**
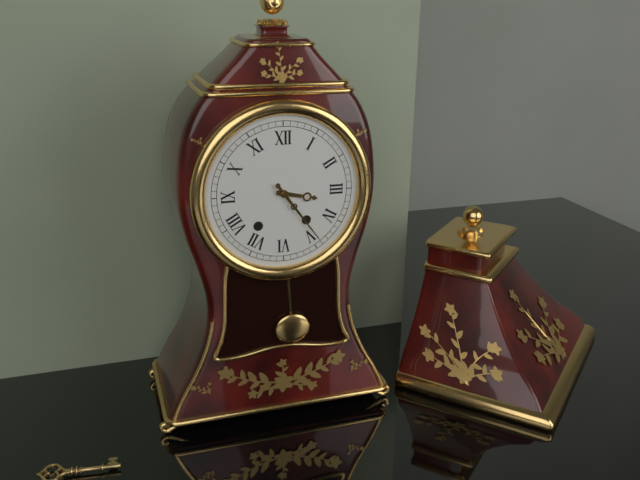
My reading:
**3:24**
